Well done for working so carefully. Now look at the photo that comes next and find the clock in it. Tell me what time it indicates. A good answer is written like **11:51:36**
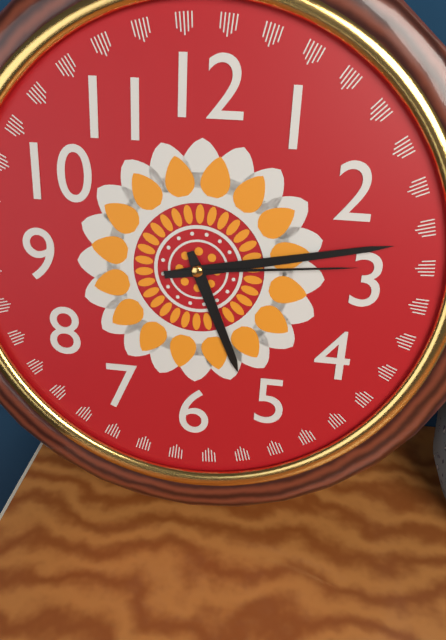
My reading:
**5:13:14**
